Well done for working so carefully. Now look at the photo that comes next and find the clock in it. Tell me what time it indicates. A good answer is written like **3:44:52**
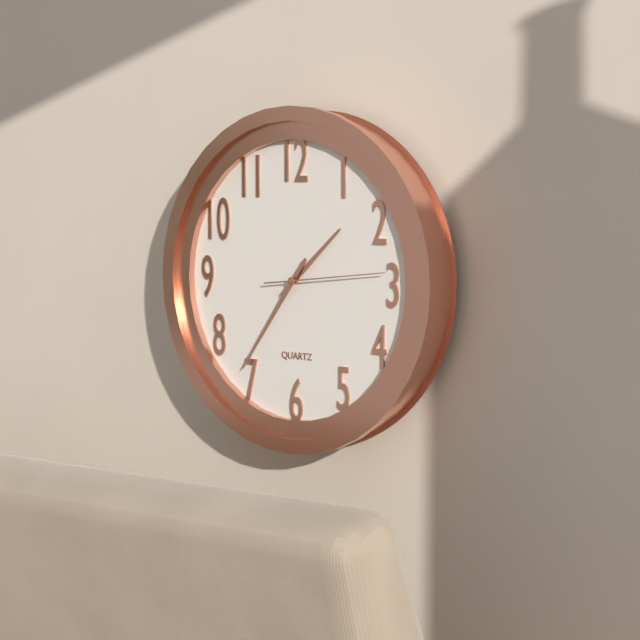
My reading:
**1:36:14**
